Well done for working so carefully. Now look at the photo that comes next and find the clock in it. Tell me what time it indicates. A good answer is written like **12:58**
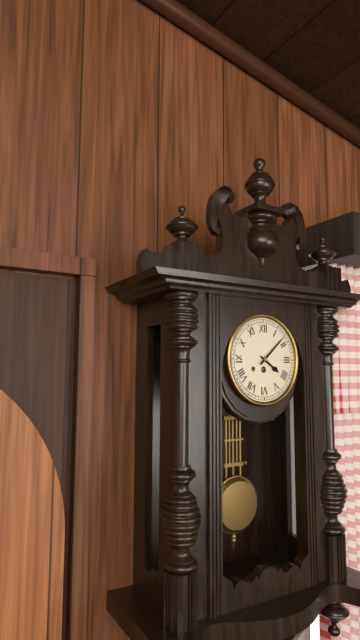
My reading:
**4:08**
